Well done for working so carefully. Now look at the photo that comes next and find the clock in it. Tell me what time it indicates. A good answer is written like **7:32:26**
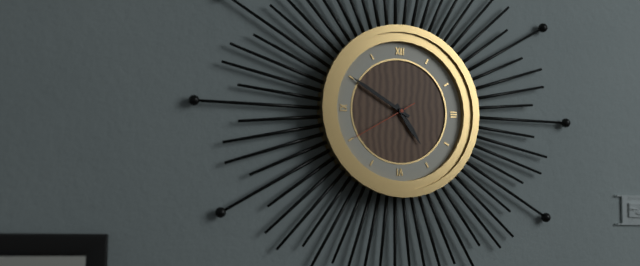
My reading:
**4:50:40**
